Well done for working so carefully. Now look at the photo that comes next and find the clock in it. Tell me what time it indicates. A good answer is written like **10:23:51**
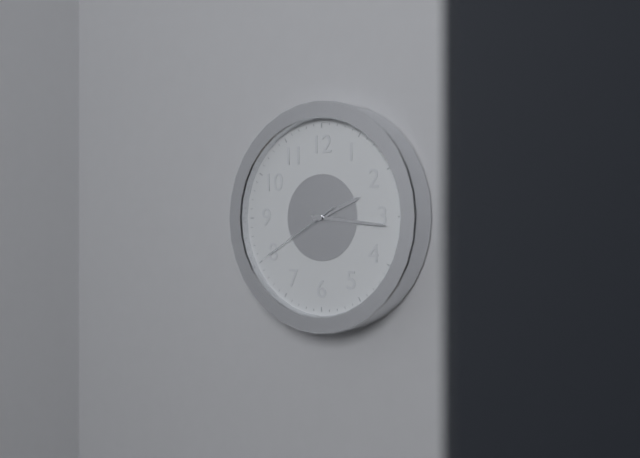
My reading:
**2:16:40**
